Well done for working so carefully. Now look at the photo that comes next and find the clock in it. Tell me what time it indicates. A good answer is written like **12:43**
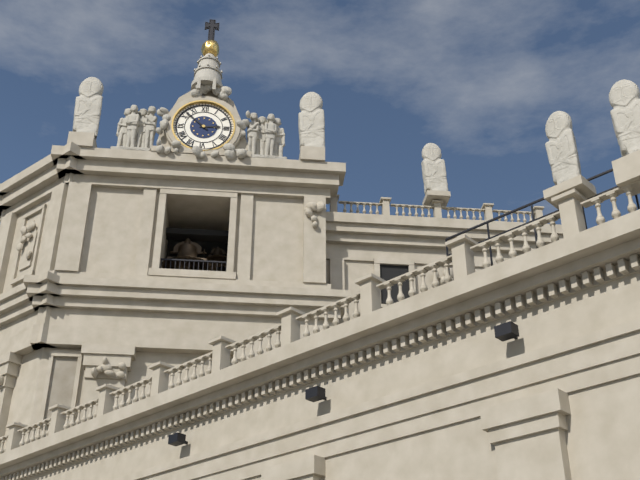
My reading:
**2:52**
